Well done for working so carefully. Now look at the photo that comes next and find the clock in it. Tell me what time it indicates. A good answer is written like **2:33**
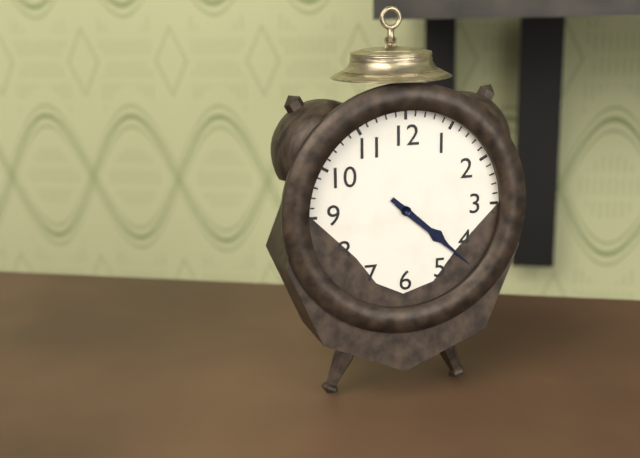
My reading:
**4:22**
